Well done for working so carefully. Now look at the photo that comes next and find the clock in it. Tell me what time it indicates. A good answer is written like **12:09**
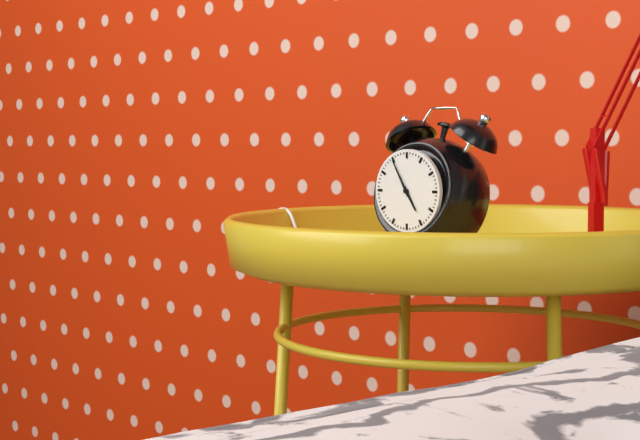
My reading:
**4:55**
